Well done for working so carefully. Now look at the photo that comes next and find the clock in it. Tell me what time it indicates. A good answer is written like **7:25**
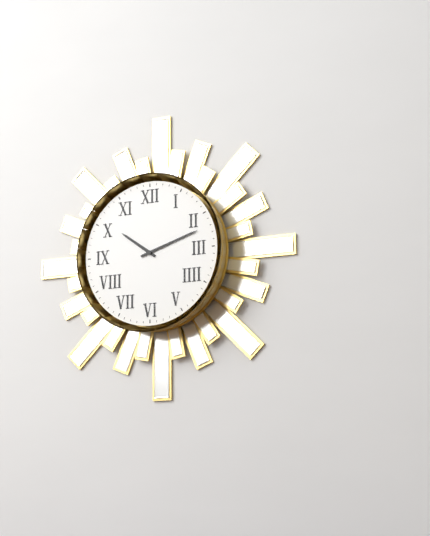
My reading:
**10:12**
